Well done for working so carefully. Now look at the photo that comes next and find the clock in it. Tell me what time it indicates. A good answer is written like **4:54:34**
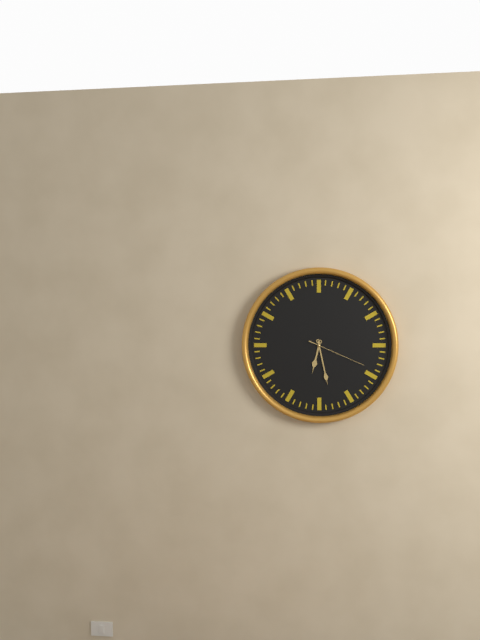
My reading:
**6:28:19**
